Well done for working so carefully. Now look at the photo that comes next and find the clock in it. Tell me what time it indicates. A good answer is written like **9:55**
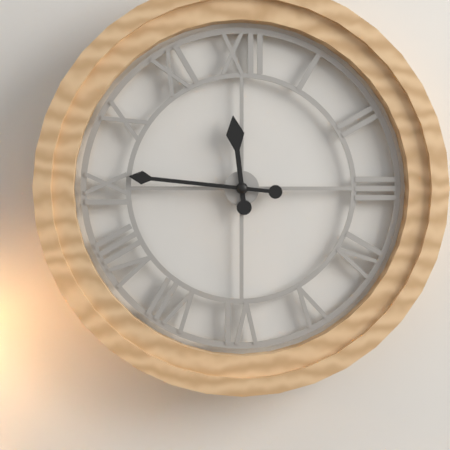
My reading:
**11:46**
